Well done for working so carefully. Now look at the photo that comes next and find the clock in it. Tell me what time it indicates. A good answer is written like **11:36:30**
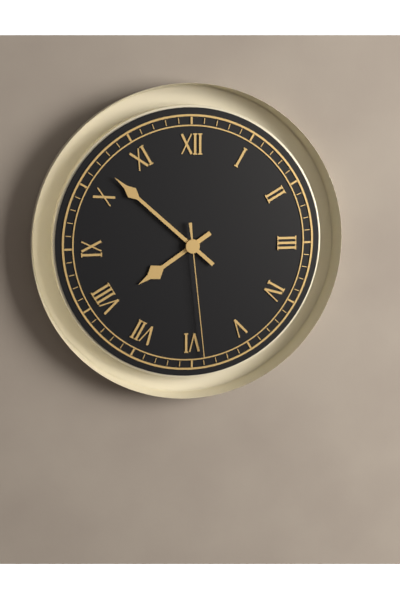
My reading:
**7:52:29**
